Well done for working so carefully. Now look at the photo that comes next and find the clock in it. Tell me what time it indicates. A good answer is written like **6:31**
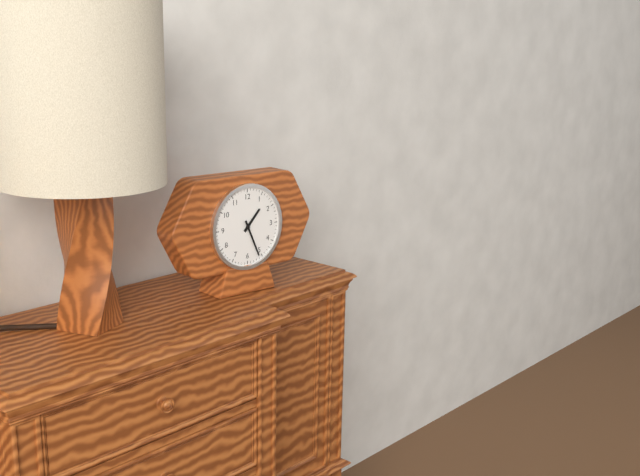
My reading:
**1:26**
